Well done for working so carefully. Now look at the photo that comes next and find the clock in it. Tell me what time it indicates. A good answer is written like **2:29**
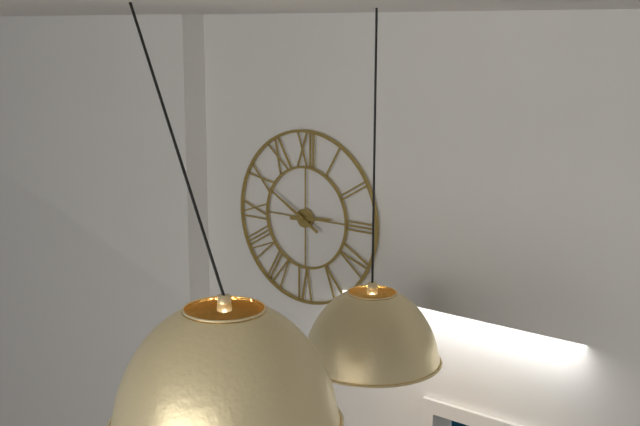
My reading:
**2:50**
